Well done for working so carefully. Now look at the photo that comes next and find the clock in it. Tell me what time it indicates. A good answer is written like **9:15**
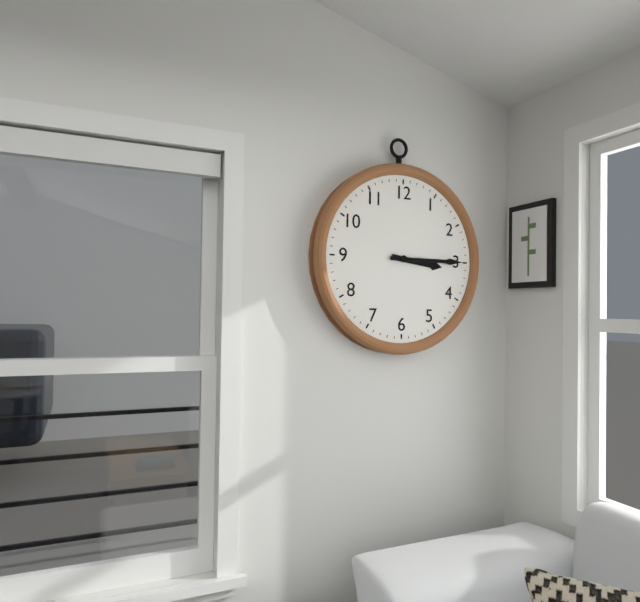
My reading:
**3:15**
